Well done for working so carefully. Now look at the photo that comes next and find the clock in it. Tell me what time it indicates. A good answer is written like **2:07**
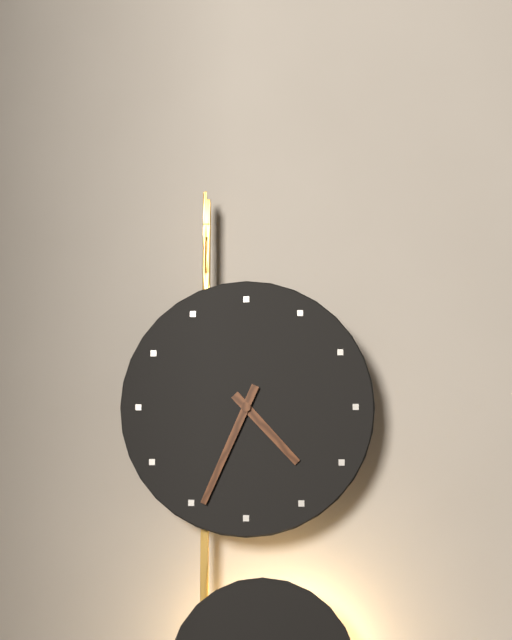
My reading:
**4:34**
